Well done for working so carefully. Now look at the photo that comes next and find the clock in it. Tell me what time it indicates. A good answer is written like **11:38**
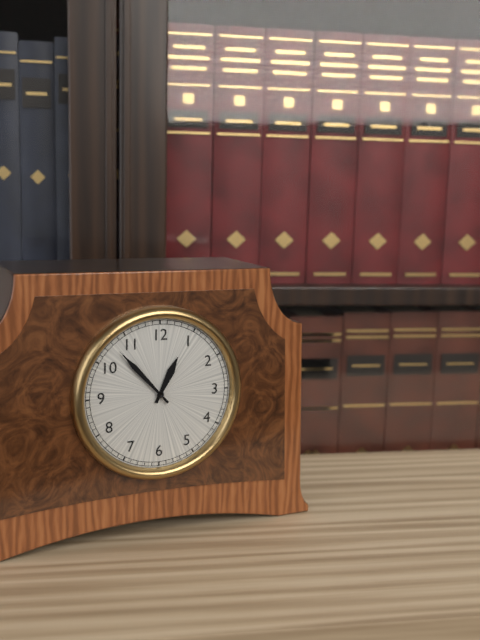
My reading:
**12:53**
